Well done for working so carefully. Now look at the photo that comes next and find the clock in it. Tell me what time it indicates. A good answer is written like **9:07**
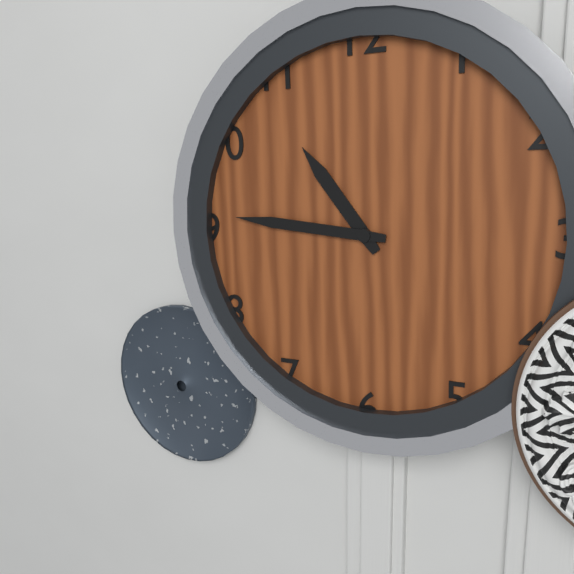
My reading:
**10:46**
